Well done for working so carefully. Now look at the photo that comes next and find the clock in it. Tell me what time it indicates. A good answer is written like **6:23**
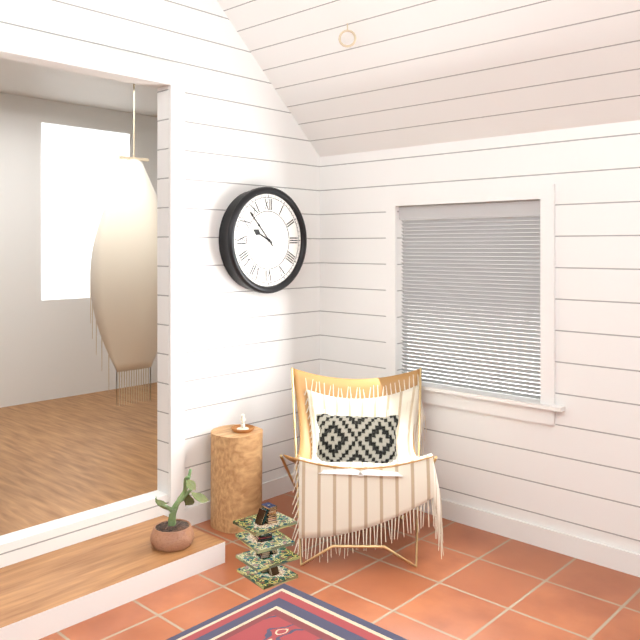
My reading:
**9:53**
